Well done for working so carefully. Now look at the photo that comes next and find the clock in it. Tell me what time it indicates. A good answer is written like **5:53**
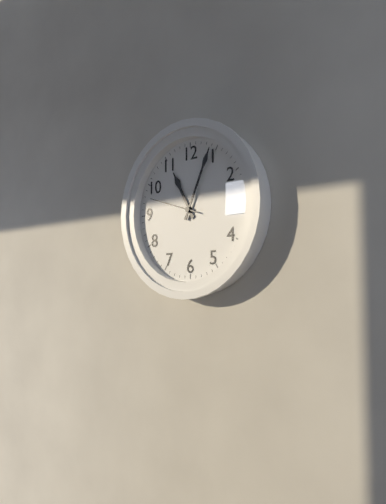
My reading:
**11:04**
